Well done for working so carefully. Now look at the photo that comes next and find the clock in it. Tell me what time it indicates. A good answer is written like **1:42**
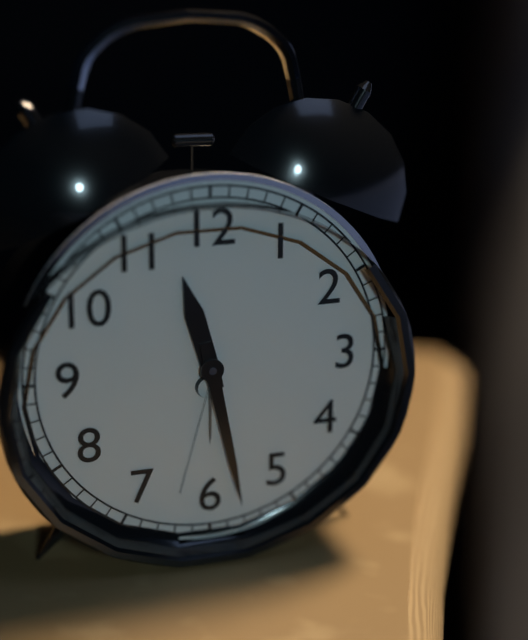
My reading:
**11:28**
